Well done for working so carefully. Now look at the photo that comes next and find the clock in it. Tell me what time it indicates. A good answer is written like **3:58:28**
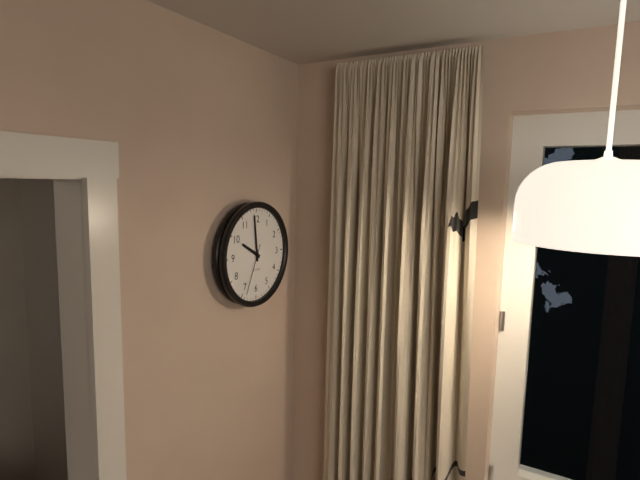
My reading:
**9:59:34**
